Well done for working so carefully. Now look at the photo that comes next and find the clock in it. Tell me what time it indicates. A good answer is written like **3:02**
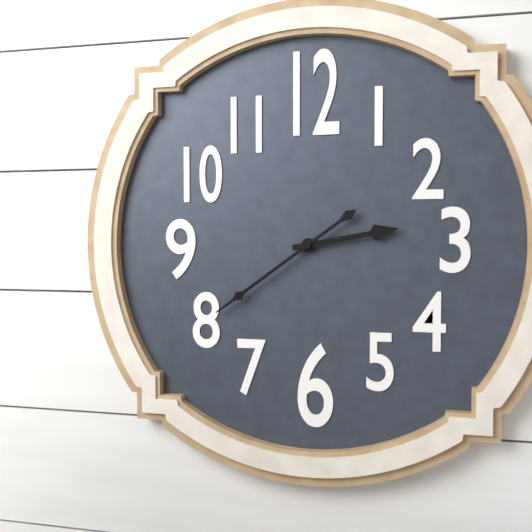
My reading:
**2:39**
